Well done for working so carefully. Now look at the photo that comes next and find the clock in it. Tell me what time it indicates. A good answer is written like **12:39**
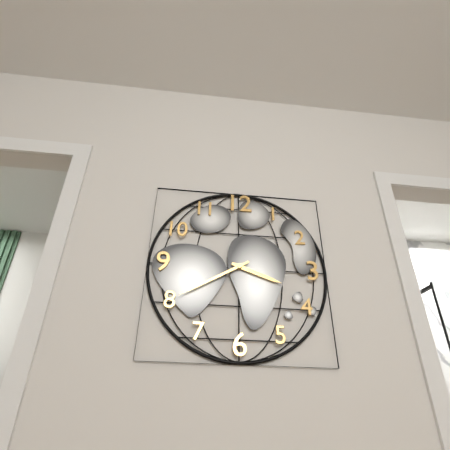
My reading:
**3:40**
